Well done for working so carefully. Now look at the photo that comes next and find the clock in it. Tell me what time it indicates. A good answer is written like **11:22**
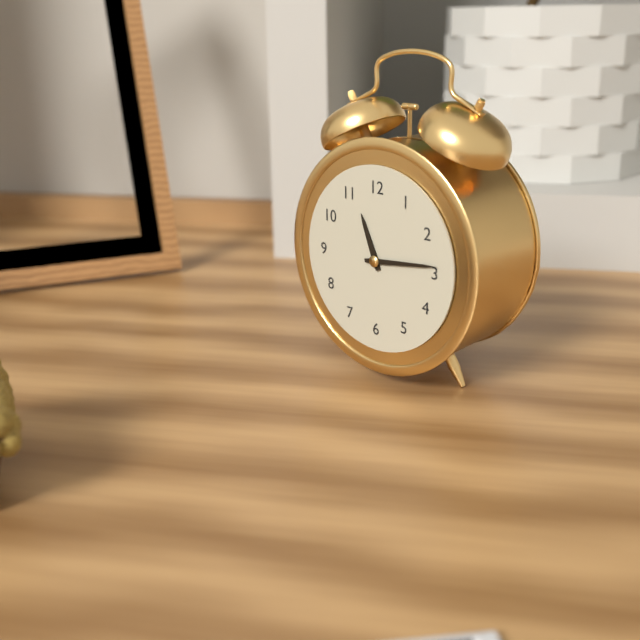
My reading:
**11:14**
